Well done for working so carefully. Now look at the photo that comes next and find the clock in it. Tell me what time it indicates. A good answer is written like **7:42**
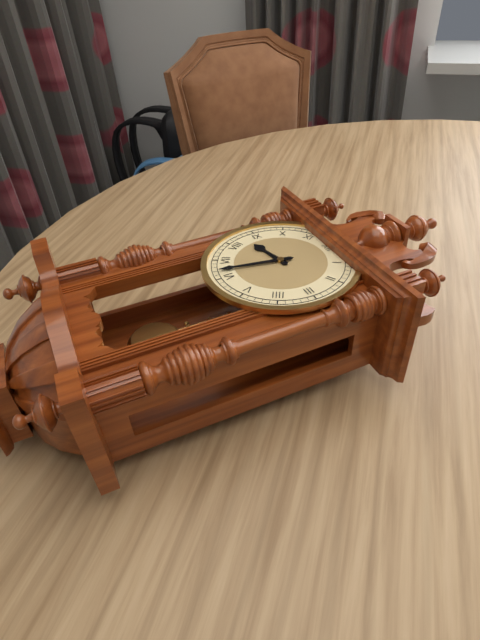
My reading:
**8:32**
